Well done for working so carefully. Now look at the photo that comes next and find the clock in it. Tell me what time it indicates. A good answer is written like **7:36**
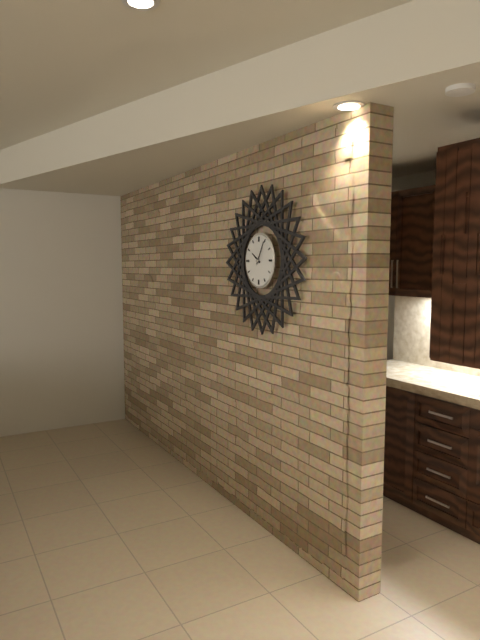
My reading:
**10:05**
